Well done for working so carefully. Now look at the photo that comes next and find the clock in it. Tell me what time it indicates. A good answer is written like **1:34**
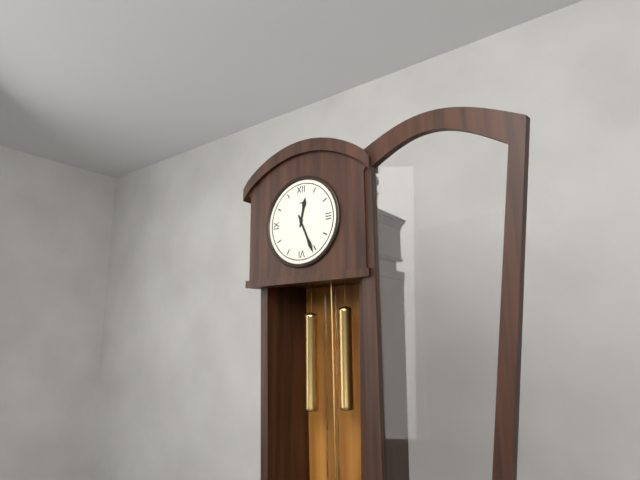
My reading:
**12:26**
